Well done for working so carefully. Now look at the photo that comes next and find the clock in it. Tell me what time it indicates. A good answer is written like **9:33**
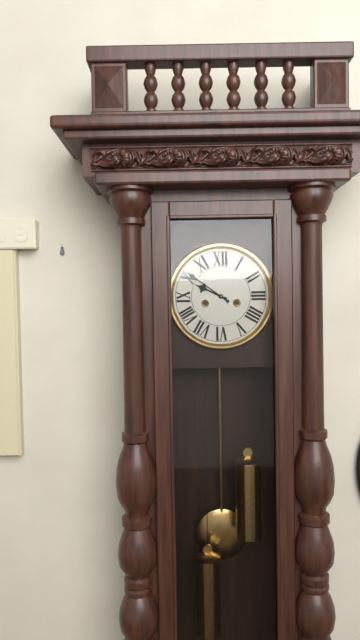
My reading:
**9:51**
